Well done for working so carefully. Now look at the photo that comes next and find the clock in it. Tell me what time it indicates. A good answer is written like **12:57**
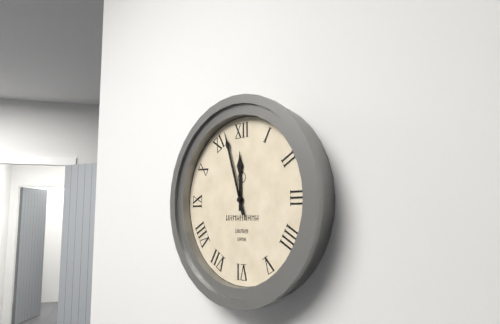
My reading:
**11:57**
